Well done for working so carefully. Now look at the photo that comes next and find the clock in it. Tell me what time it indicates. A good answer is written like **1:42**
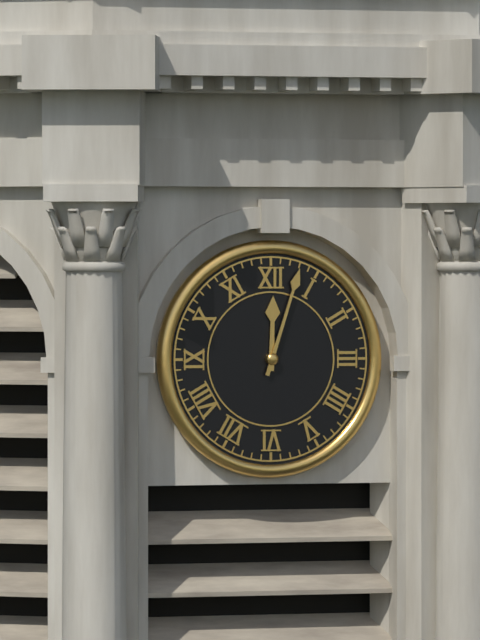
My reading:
**12:03**
